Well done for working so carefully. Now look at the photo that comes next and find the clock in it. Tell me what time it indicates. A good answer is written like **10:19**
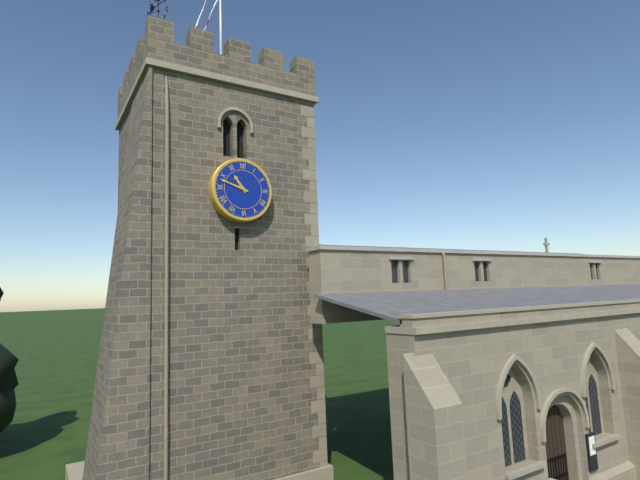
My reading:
**10:48**
